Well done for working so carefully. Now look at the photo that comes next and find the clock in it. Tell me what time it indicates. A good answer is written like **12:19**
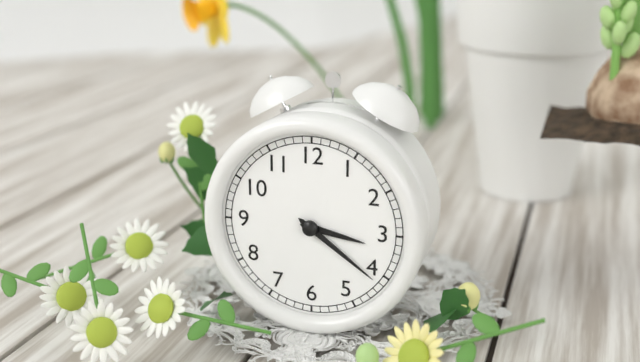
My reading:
**3:21**
